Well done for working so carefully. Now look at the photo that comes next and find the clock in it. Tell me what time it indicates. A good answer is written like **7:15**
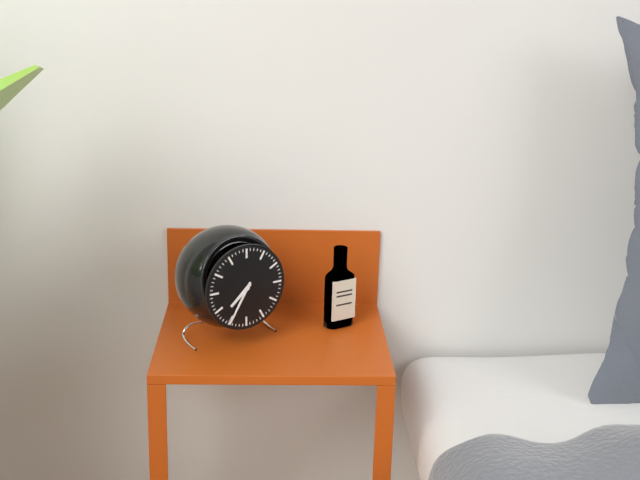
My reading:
**7:35**
